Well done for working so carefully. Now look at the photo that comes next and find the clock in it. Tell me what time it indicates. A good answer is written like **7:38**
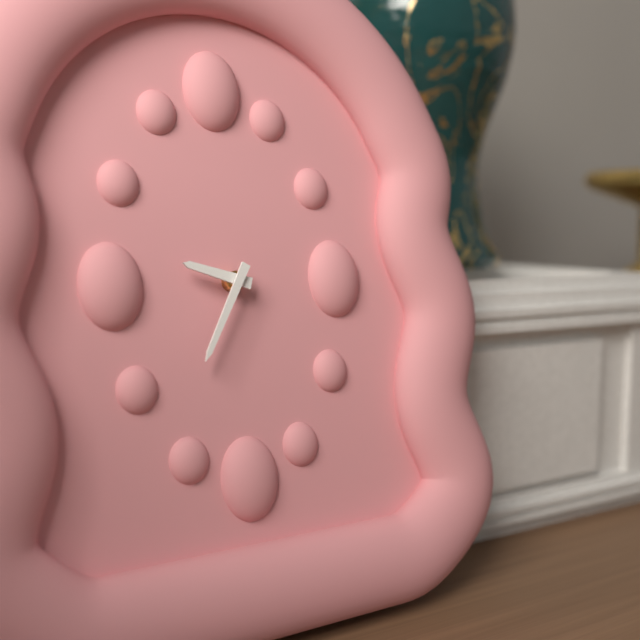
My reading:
**9:35**
